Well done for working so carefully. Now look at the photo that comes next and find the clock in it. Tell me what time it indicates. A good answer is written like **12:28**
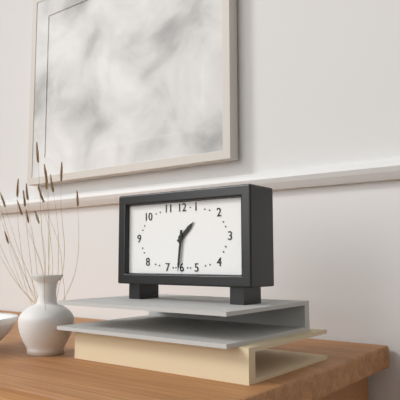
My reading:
**1:31**
